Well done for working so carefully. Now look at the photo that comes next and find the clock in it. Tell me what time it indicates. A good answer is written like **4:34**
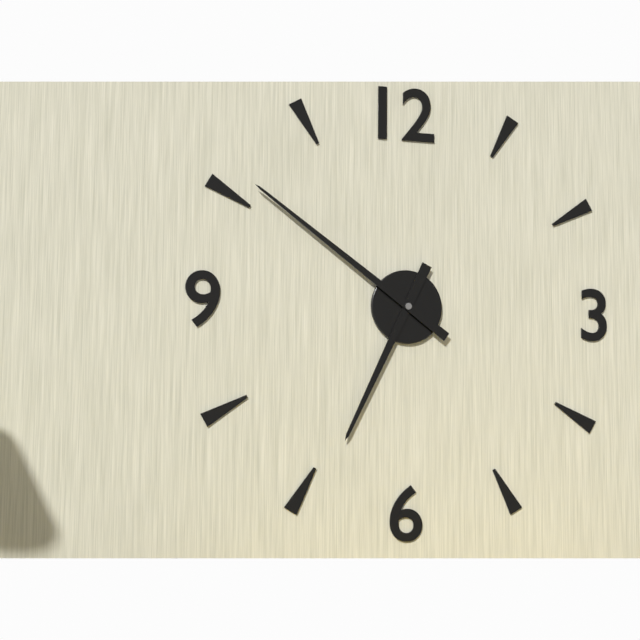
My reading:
**6:51**
